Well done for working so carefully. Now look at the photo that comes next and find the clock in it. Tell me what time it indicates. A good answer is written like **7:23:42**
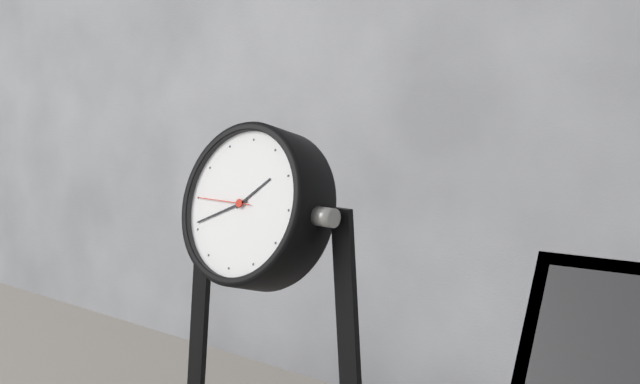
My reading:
**1:41:45**
